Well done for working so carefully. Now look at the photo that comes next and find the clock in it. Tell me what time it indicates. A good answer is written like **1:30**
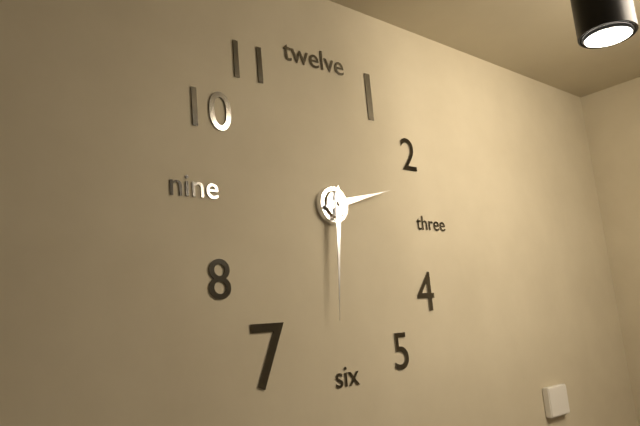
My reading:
**2:31**
